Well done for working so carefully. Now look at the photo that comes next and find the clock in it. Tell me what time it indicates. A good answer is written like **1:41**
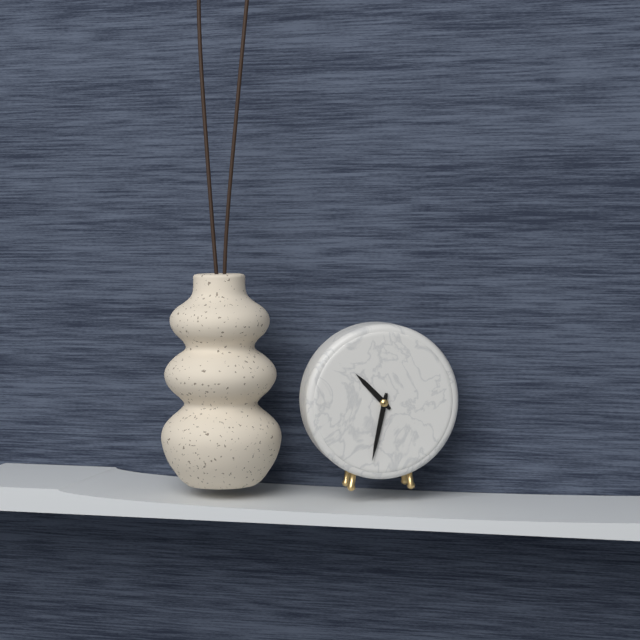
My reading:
**10:32**
